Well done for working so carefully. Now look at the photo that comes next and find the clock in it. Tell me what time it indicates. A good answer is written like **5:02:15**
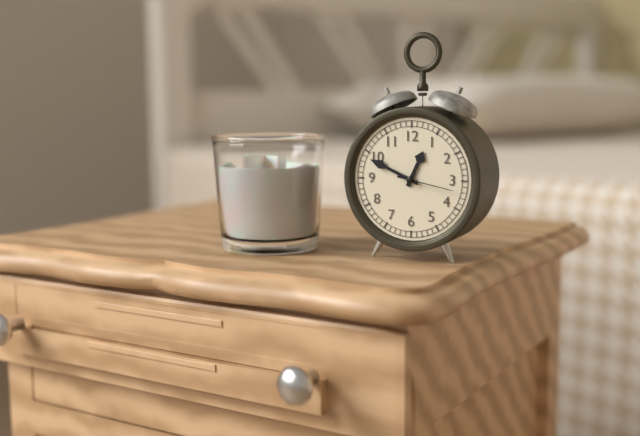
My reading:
**12:49:17**
